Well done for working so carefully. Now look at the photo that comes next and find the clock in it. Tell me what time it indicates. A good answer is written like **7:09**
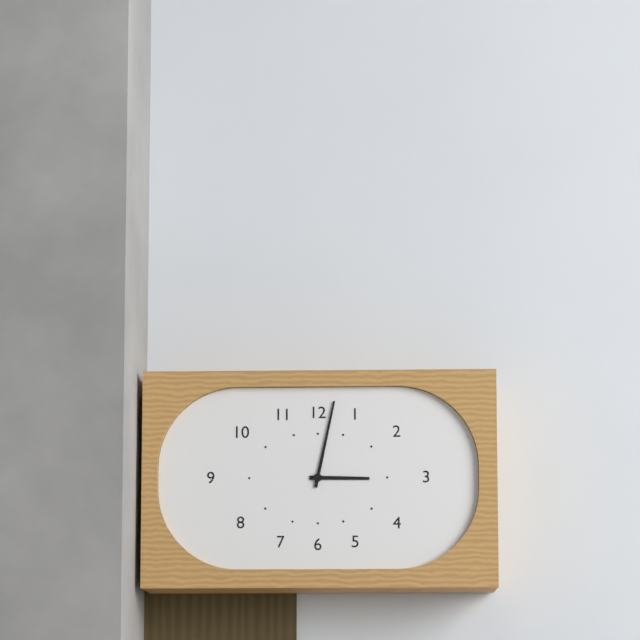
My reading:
**3:02**
